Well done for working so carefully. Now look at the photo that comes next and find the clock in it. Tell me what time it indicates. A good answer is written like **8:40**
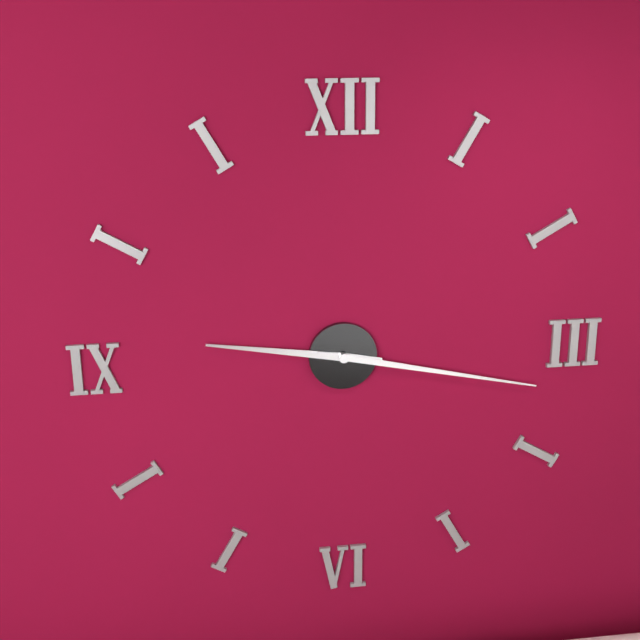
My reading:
**9:17**
